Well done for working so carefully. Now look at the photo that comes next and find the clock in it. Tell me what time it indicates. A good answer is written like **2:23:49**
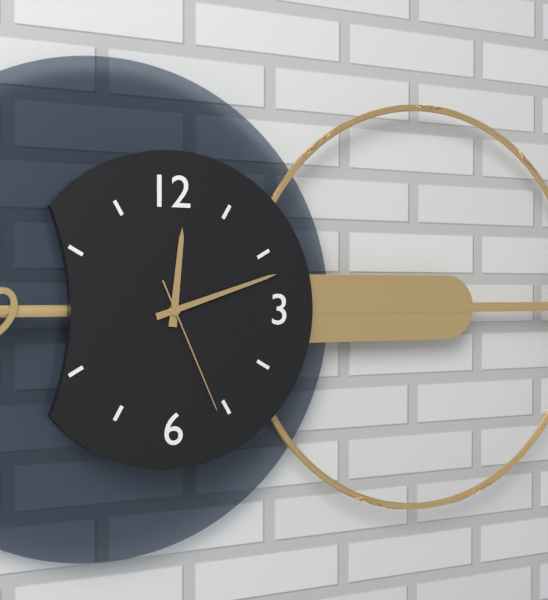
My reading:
**12:12:26**
